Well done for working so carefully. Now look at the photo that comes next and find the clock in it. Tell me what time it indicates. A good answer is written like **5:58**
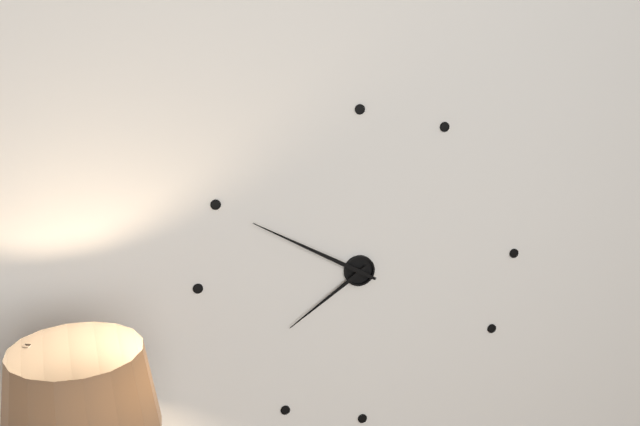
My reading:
**7:50**
